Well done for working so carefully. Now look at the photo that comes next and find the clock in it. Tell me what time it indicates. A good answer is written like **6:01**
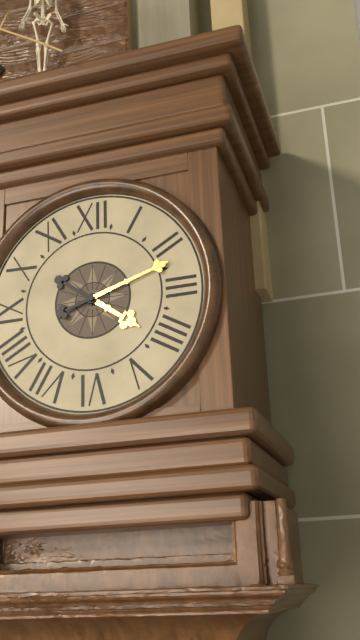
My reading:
**4:12**
